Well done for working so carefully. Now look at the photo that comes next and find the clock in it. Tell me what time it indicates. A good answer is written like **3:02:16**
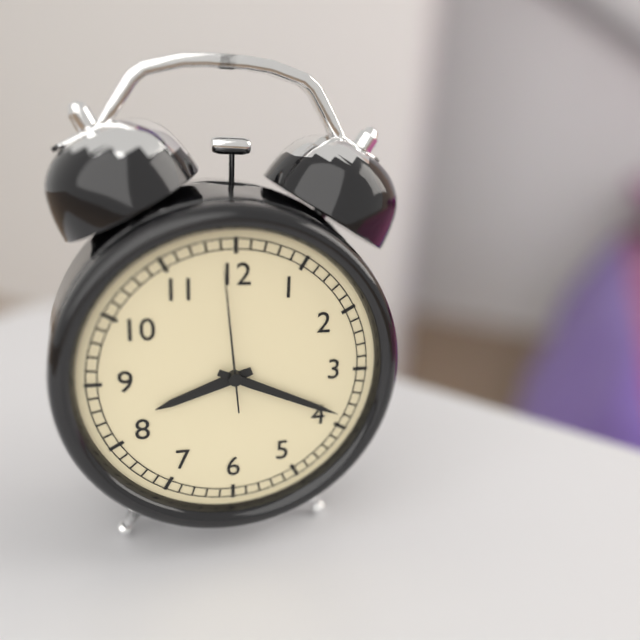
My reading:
**8:19:59**
